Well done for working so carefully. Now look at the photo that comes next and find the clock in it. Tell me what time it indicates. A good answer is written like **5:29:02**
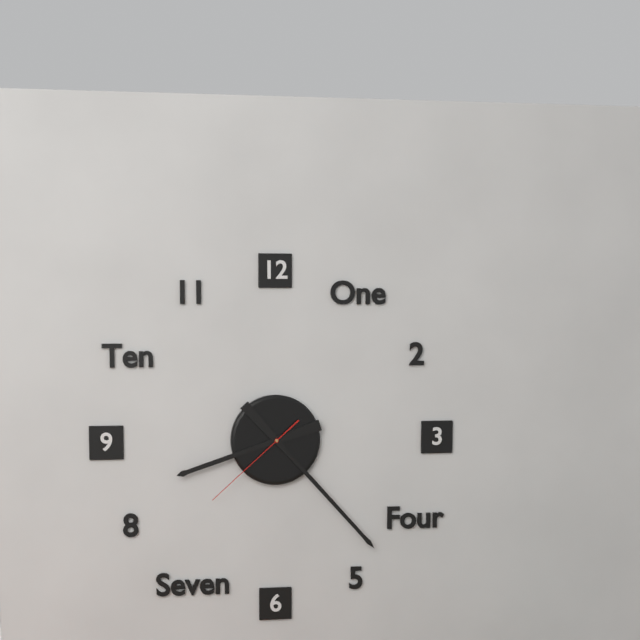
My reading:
**8:23:38**
